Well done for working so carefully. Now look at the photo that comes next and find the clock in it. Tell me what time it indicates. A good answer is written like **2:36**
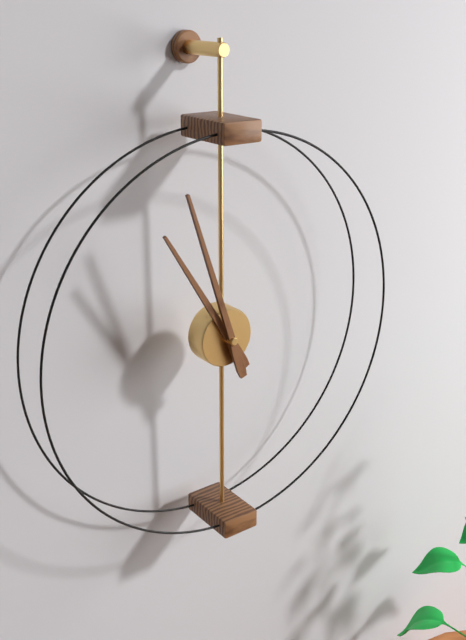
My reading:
**10:57**
